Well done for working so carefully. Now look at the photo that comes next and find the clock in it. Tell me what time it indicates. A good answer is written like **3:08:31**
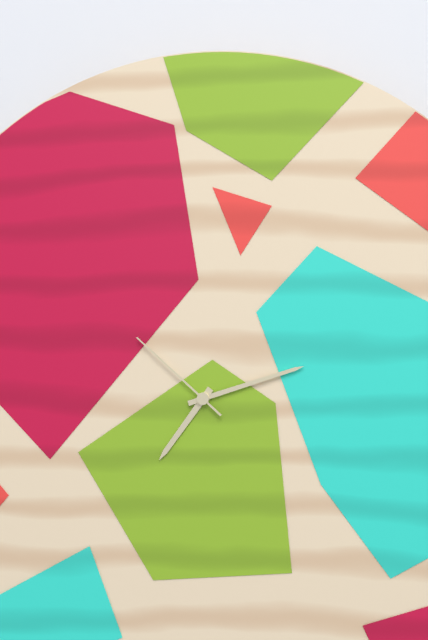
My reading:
**7:12:52**
